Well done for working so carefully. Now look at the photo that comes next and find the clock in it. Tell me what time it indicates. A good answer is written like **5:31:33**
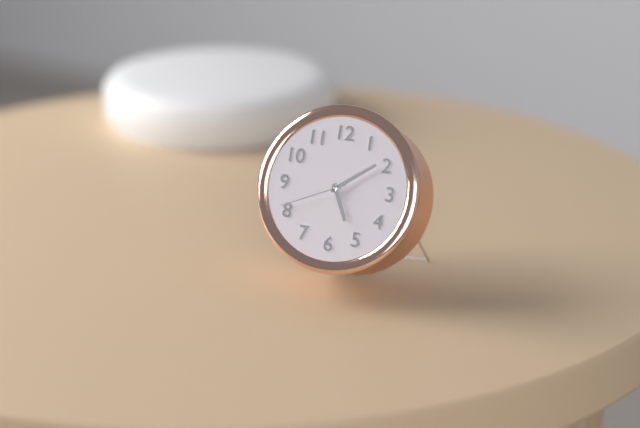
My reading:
**5:09:41**
